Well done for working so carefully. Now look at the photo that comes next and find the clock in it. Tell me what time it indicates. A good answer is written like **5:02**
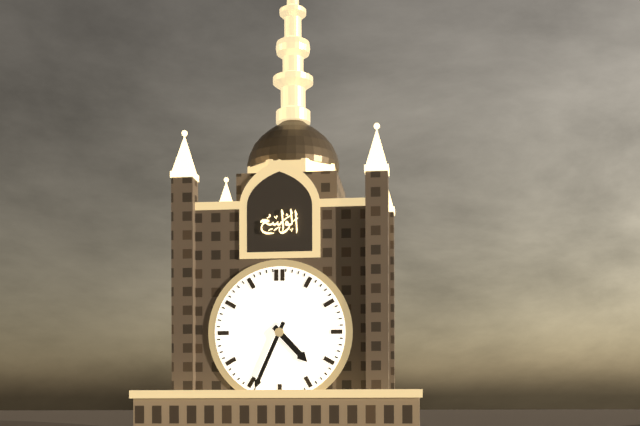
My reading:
**4:34**
